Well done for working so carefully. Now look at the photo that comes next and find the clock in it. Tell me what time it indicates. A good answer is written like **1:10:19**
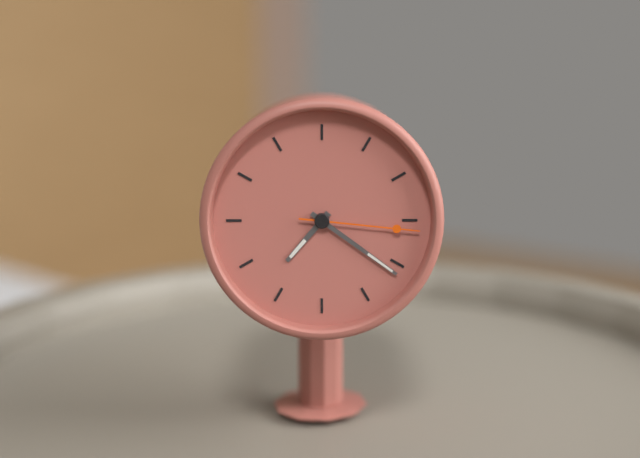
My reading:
**7:21:16**
